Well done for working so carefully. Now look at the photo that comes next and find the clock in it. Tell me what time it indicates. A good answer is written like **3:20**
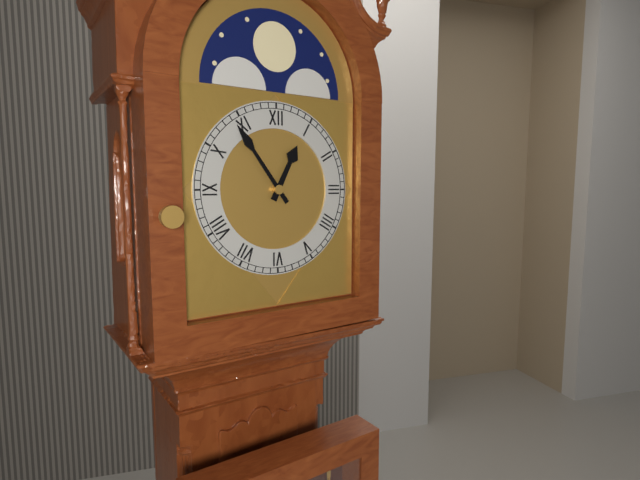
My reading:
**12:54**
